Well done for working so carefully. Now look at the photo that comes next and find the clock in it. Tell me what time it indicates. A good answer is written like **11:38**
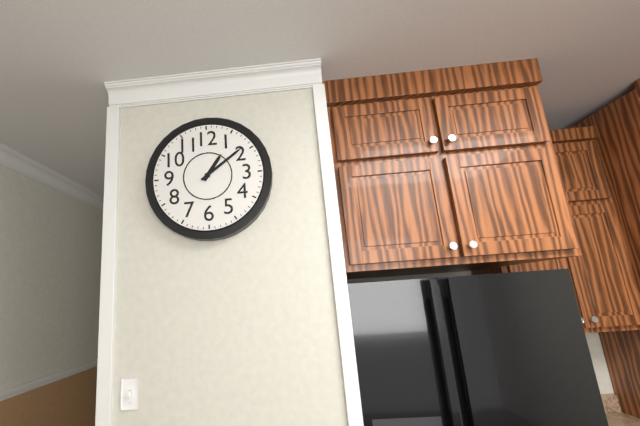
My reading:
**1:09**
